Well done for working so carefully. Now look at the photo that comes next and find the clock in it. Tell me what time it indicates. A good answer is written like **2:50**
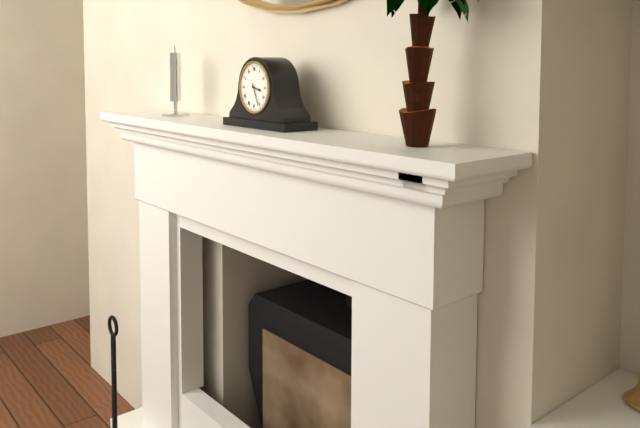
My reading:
**3:26**
